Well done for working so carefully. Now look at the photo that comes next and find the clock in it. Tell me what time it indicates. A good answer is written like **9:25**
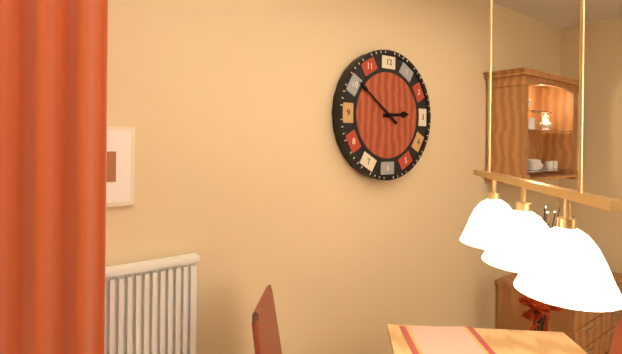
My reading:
**2:51**
